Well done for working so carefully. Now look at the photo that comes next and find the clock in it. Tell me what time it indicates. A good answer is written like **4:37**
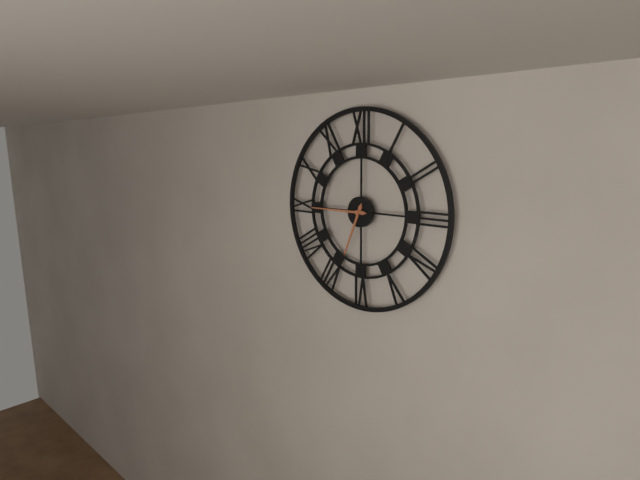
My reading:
**6:45**
